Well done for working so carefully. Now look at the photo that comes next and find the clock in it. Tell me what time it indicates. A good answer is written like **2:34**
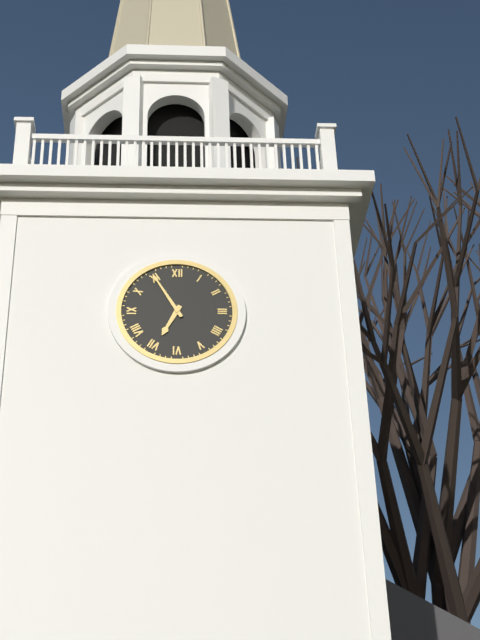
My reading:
**6:55**
